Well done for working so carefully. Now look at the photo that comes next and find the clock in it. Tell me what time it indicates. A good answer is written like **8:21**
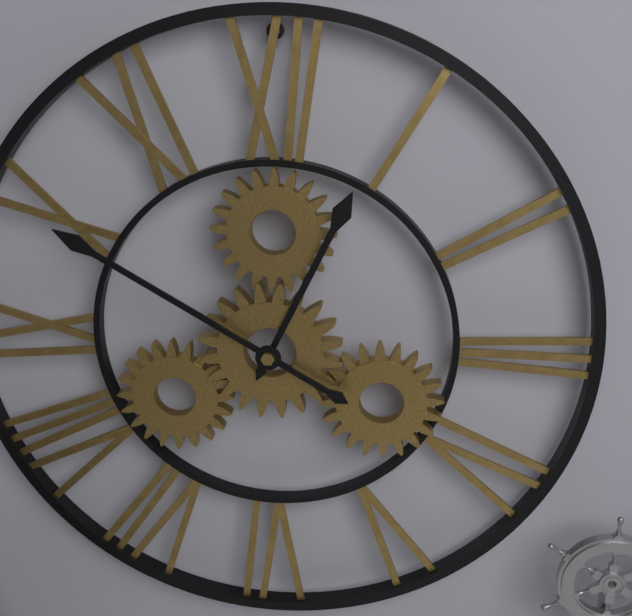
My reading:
**12:50**
